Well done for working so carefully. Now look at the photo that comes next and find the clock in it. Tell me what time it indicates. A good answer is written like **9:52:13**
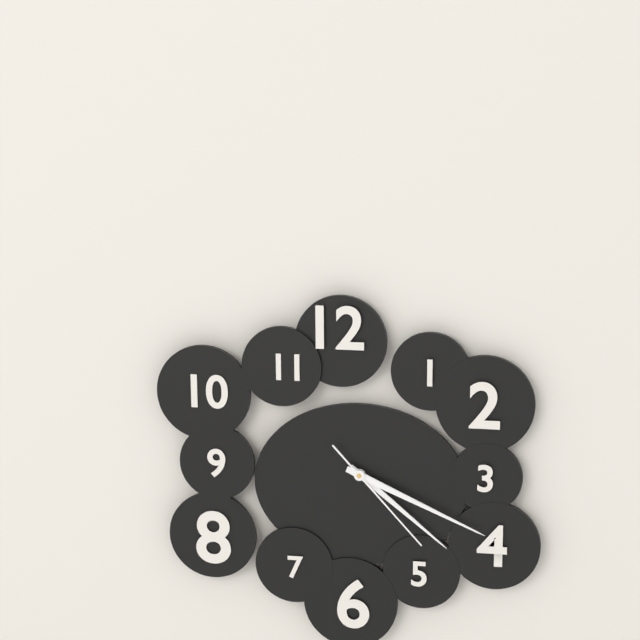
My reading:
**4:19:23**
